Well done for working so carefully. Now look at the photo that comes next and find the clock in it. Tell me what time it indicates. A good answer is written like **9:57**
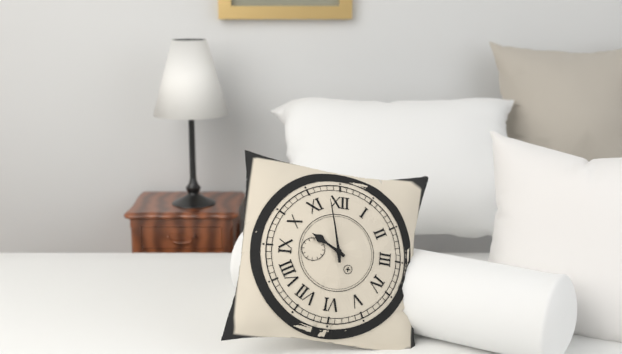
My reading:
**9:58**
